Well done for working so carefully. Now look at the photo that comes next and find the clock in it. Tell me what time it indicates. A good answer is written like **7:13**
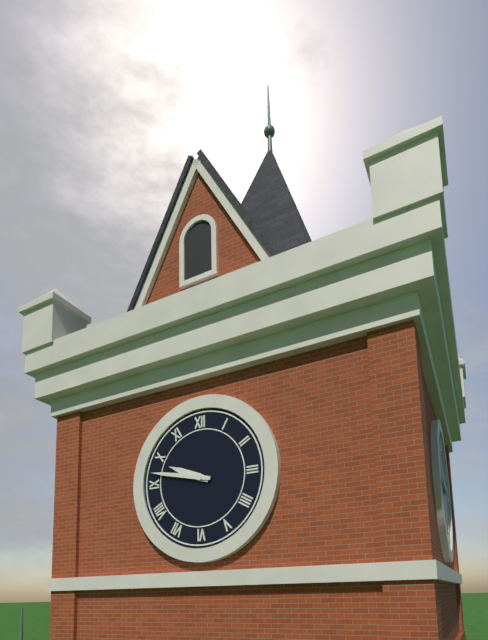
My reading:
**9:47**
